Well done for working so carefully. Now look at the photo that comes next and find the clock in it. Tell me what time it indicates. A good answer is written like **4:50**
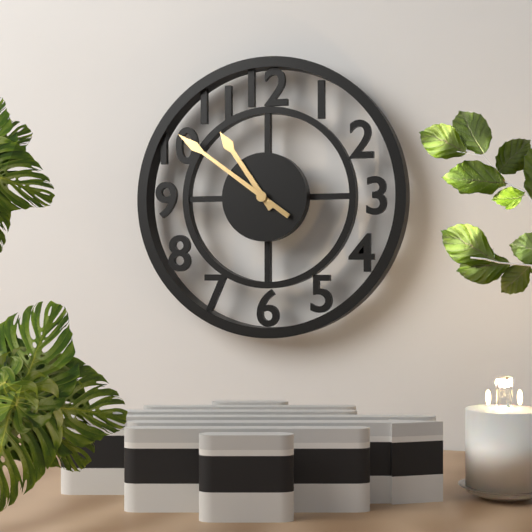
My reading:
**10:51**
